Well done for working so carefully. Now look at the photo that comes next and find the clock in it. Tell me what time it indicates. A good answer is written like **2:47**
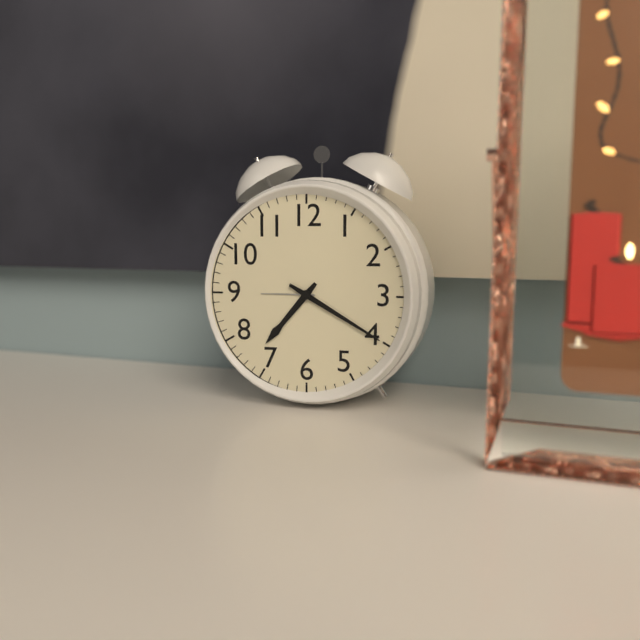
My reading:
**7:20**
